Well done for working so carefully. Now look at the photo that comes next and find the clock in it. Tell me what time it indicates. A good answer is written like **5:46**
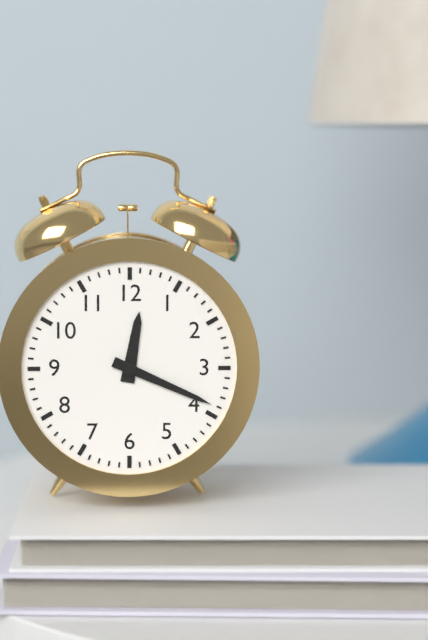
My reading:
**12:19**
